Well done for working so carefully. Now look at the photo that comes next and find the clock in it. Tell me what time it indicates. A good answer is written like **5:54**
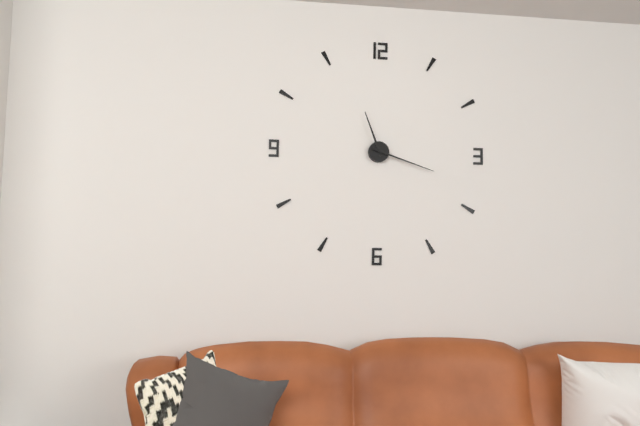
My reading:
**11:18**
